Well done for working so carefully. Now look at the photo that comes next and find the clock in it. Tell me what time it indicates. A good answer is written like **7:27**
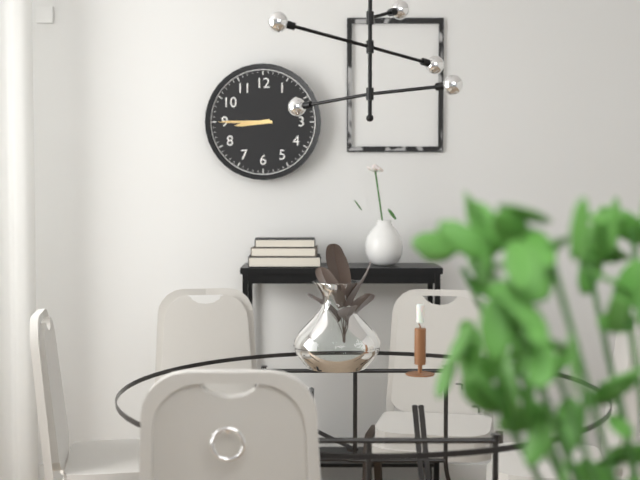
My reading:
**8:45**
